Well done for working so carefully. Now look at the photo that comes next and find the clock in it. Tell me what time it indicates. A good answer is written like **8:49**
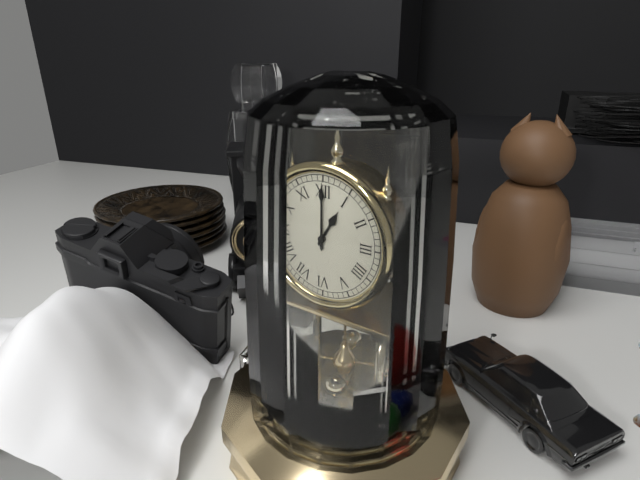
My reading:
**1:00**
